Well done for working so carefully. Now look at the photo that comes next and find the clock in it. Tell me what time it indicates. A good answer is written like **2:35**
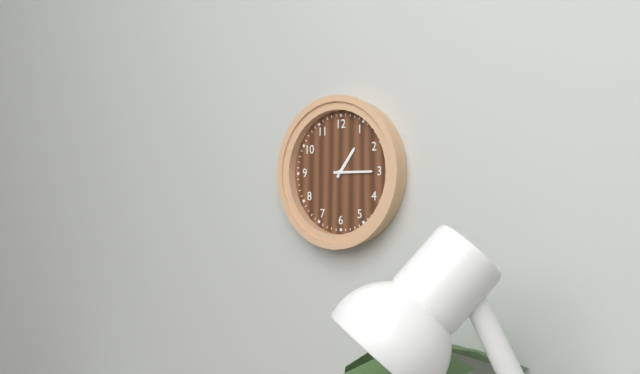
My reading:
**1:15**
